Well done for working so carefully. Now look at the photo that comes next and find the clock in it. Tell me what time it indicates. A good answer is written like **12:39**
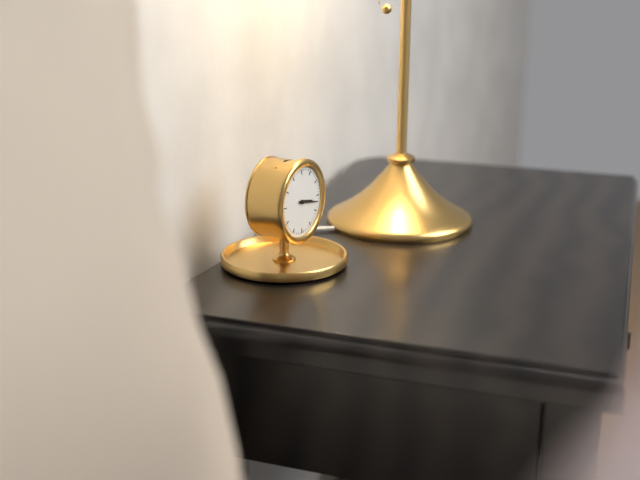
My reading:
**3:17**
